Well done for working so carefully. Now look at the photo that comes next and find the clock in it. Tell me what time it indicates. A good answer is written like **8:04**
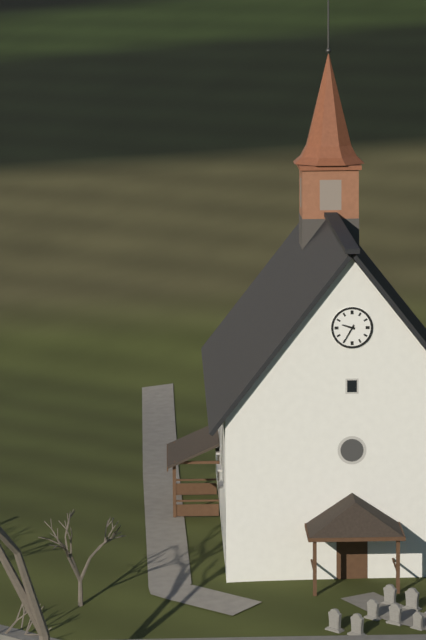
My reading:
**9:35**
